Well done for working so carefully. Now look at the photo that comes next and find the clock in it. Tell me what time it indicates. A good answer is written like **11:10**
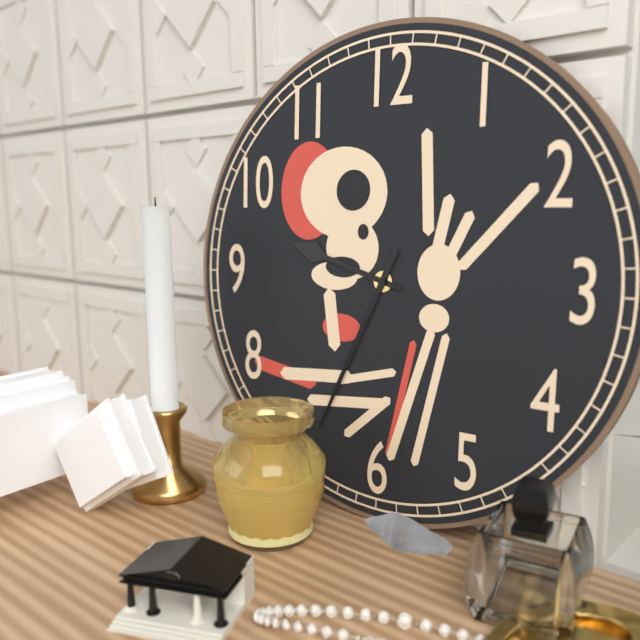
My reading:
**9:34**
